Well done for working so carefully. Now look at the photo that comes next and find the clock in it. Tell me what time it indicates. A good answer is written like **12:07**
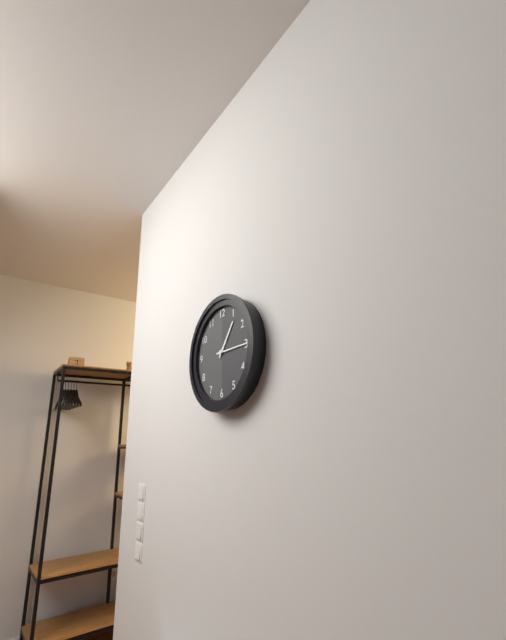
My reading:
**1:15**
